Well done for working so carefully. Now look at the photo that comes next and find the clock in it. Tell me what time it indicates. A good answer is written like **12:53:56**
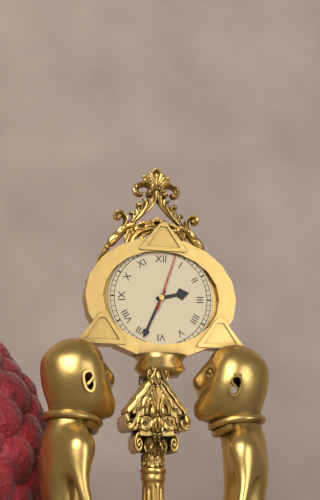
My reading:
**2:34:03**
